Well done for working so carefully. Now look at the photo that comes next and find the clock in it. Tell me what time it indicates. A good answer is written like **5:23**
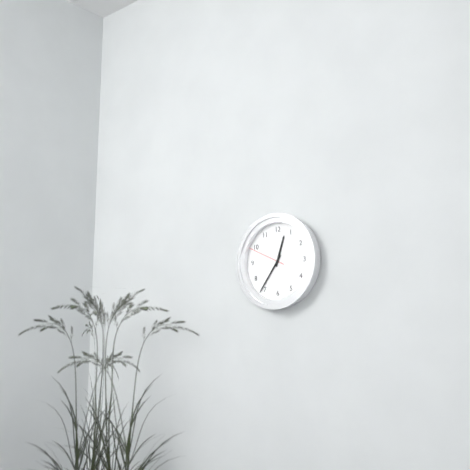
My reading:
**12:36**
